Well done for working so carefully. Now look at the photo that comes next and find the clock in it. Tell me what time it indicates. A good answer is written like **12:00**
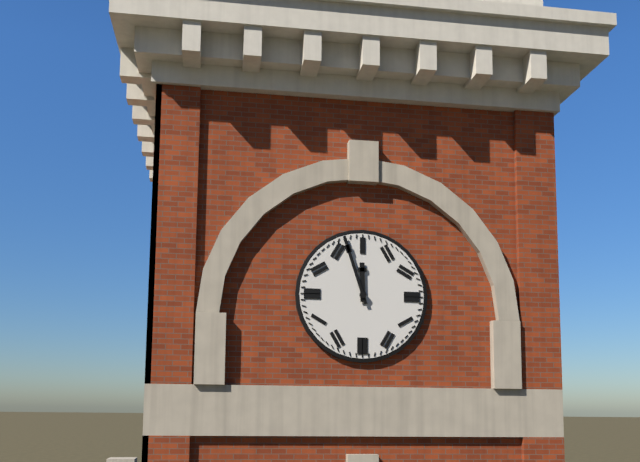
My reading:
**11:57**
